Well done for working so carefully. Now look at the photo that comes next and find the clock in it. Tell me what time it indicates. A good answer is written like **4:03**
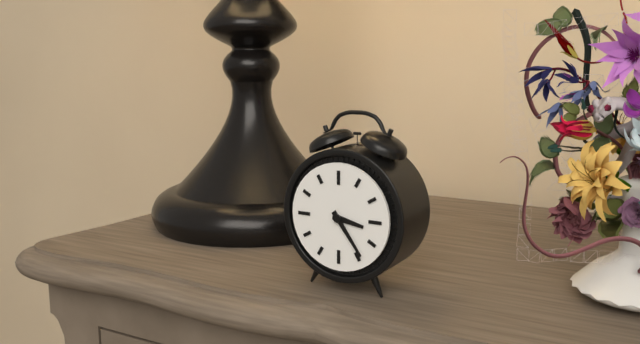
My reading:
**3:24**
